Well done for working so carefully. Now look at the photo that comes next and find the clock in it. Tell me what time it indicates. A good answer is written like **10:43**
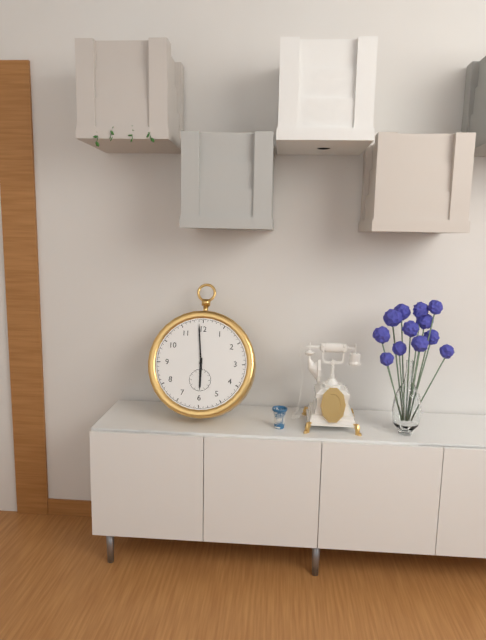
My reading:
**5:59**
